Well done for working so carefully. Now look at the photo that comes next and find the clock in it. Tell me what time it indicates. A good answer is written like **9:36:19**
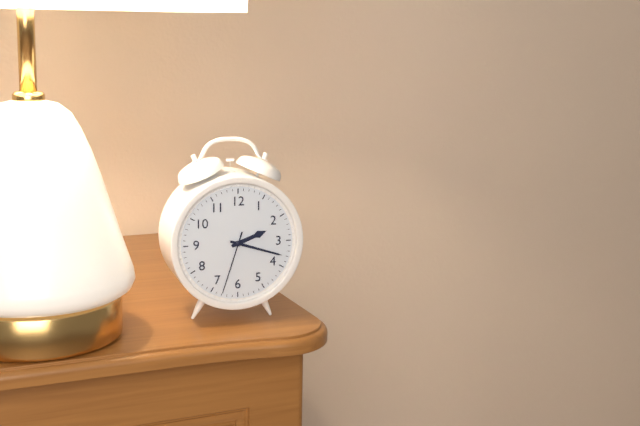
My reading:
**2:18:33**
